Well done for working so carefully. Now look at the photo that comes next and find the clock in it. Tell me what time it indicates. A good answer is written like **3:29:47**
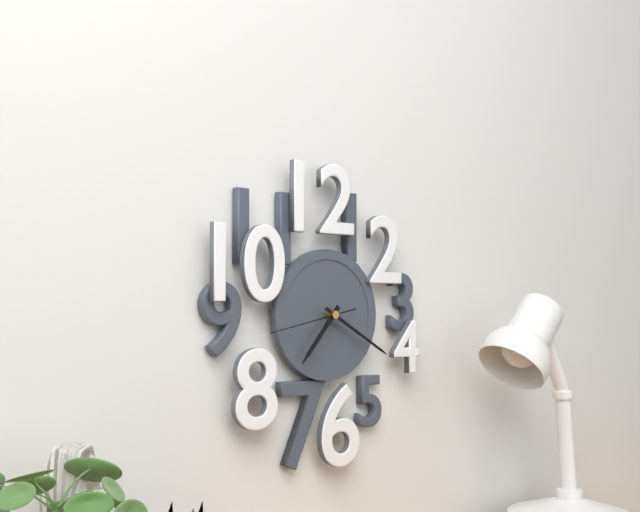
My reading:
**7:20:43**
